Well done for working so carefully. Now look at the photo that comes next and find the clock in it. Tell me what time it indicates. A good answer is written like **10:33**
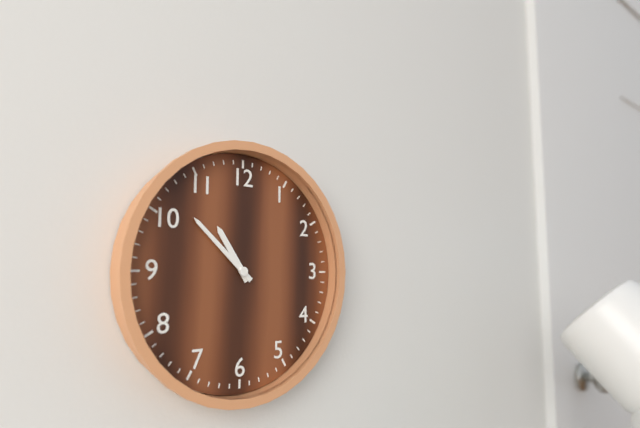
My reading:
**10:52**
